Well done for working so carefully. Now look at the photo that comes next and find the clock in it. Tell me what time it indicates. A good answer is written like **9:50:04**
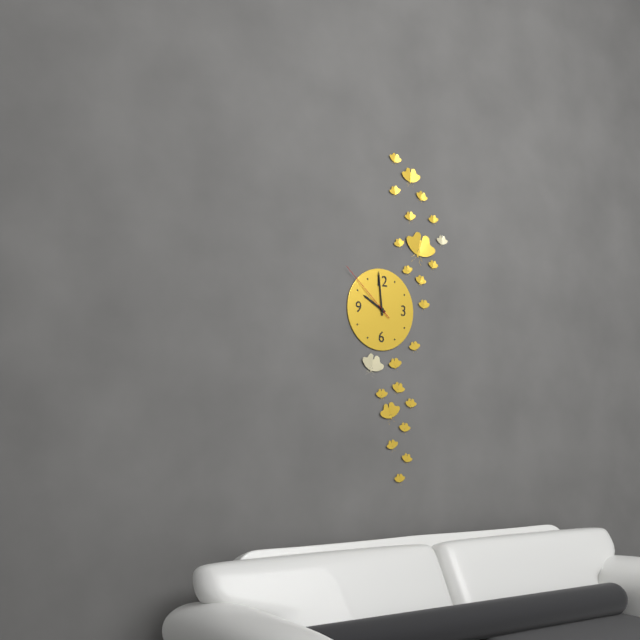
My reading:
**9:59:52**
